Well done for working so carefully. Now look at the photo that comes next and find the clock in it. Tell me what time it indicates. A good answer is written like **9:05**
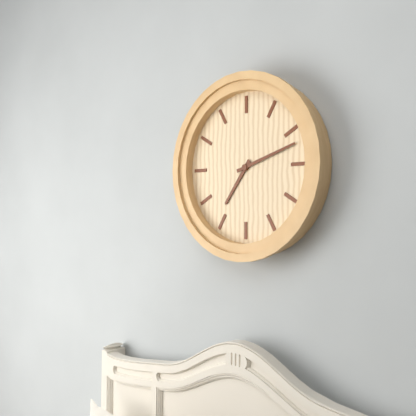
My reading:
**7:12**
